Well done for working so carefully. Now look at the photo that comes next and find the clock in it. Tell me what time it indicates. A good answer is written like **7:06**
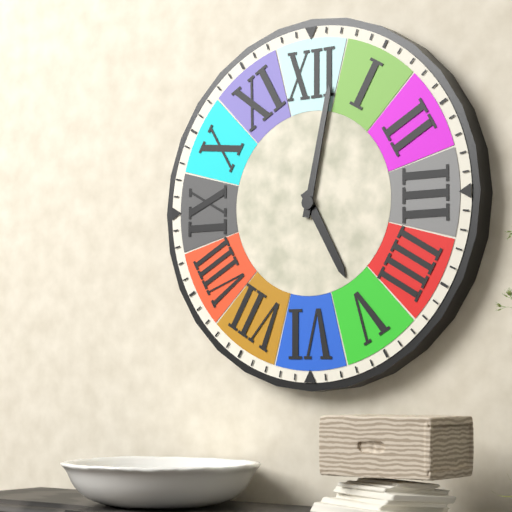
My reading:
**5:02**
